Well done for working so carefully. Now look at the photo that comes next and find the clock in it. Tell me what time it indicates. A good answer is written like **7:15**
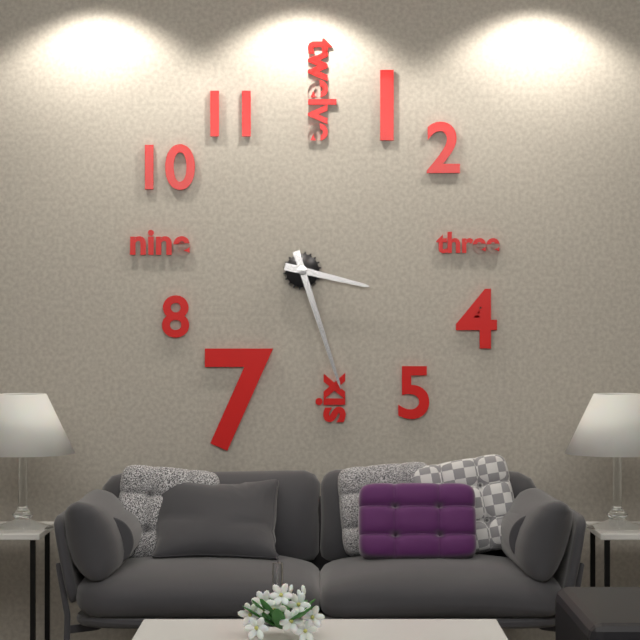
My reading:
**3:27**
